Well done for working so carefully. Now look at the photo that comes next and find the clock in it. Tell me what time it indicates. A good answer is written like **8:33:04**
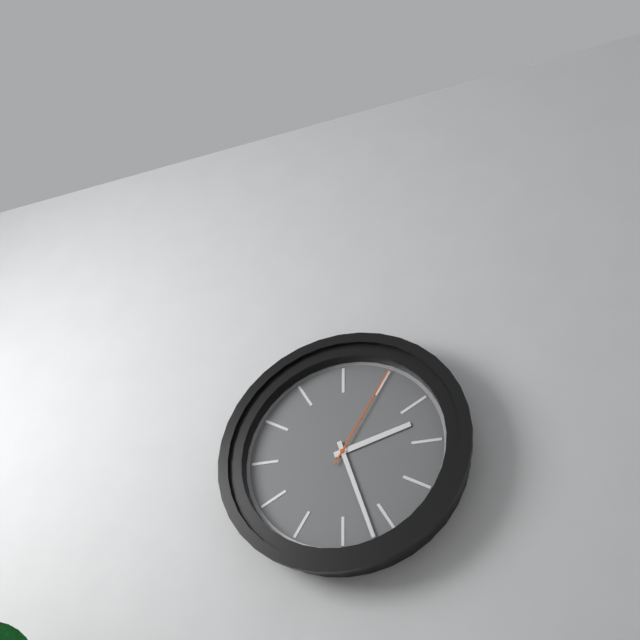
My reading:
**2:27:05**
